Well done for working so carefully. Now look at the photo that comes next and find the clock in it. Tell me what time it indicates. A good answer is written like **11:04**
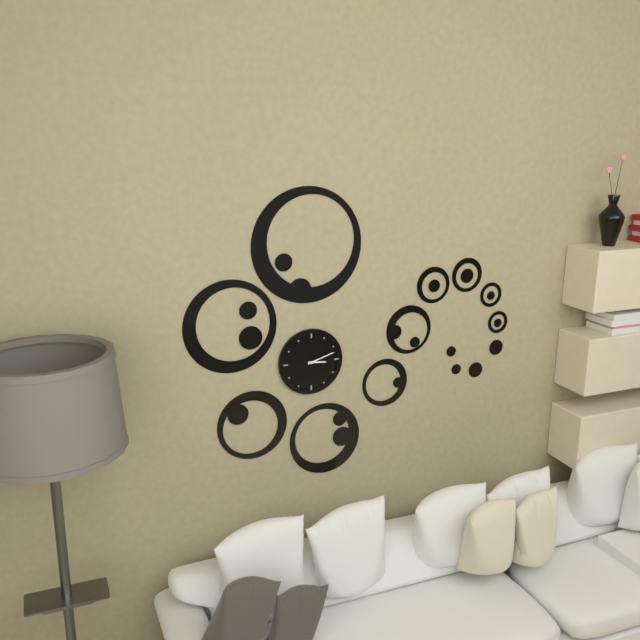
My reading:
**3:12**
